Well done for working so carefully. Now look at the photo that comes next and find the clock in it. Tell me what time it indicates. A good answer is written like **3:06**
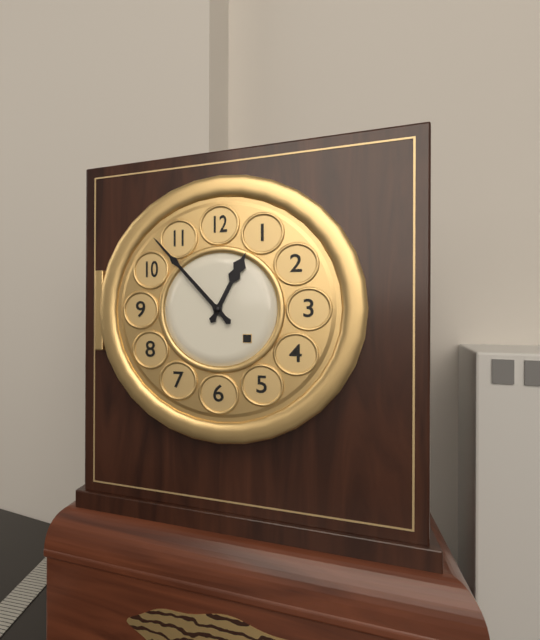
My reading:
**12:53**
